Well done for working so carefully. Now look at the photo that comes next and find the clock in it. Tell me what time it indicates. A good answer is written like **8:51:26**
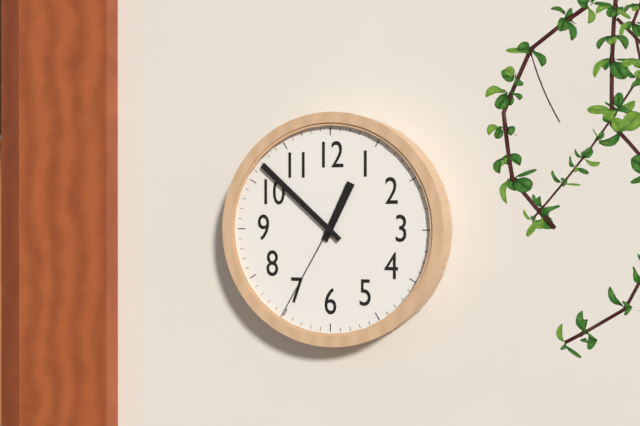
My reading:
**12:52:35**
